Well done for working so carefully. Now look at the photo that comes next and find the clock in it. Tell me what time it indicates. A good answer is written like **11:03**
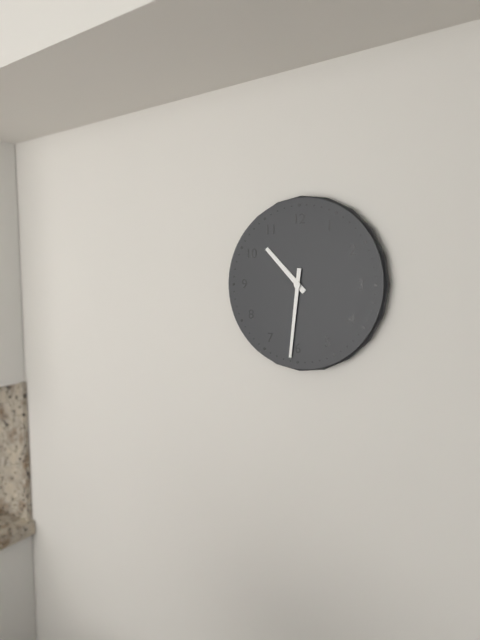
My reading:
**10:31**
